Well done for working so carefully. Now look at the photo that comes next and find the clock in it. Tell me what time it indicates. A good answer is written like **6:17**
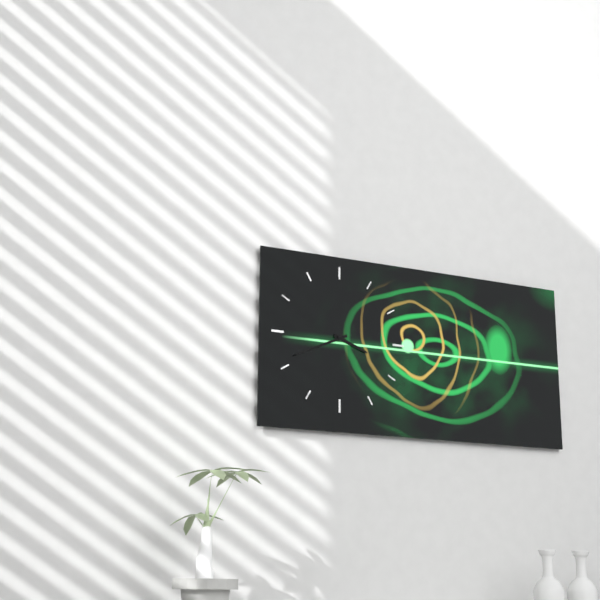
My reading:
**3:41**
